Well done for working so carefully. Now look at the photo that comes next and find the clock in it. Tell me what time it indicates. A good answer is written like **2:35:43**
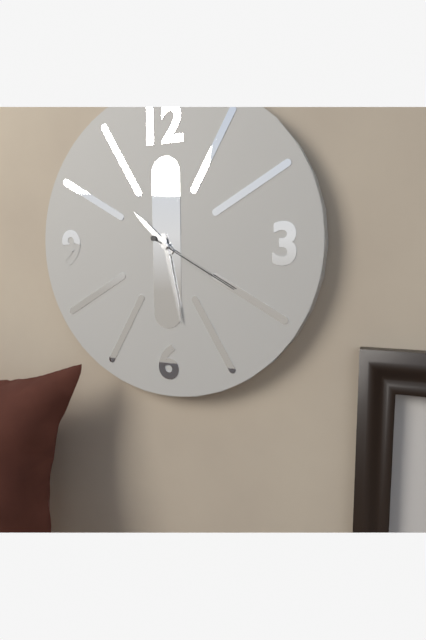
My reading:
**10:28:20**
